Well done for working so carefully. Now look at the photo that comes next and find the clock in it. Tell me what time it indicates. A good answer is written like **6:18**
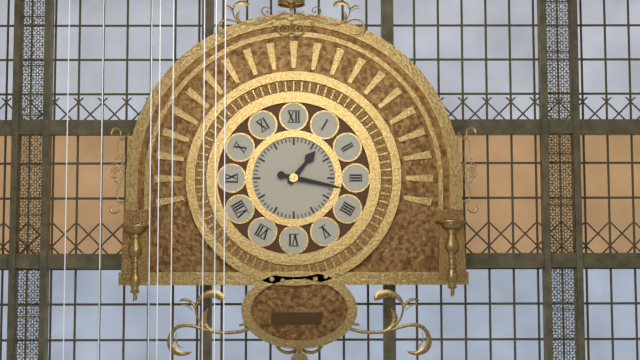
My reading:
**1:17**
